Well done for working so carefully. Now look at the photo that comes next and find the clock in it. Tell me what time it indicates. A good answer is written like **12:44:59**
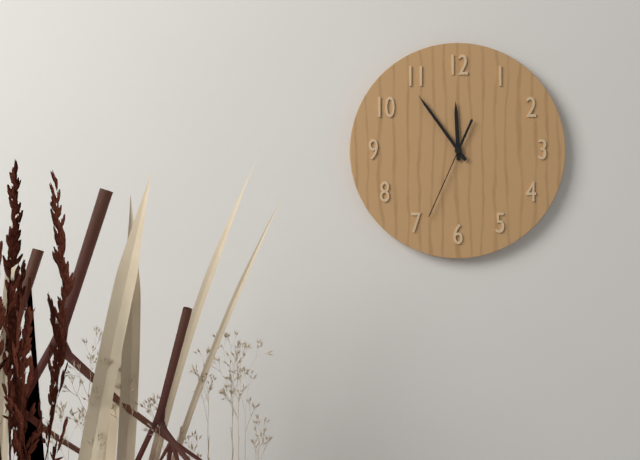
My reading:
**11:54:34**
